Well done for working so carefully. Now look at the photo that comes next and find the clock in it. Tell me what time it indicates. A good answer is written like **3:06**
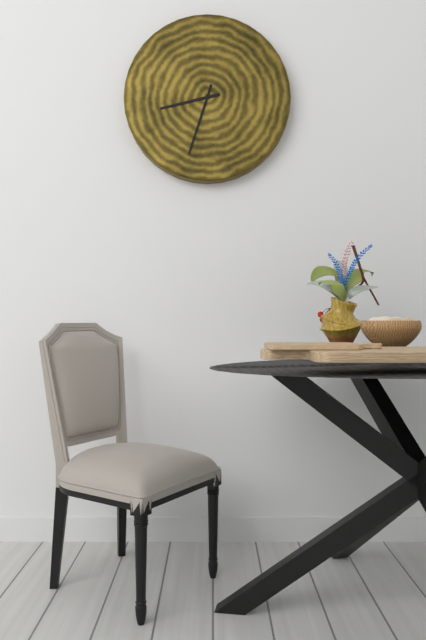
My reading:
**8:33**
